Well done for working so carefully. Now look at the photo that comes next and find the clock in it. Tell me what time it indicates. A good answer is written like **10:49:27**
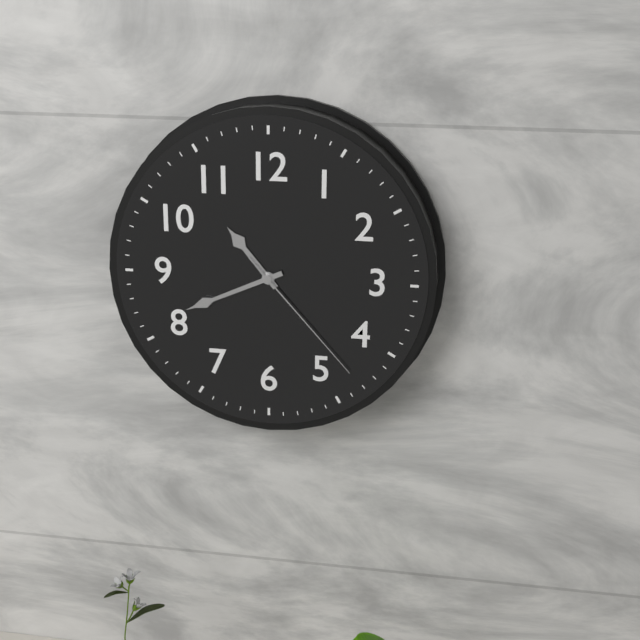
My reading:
**10:41:23**
